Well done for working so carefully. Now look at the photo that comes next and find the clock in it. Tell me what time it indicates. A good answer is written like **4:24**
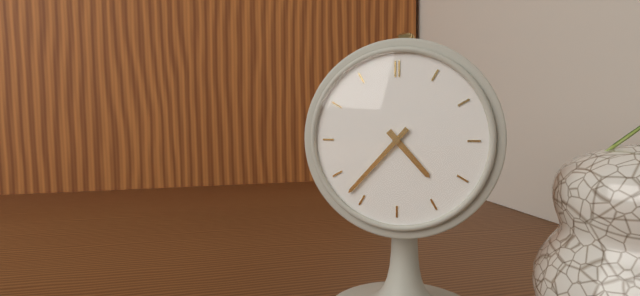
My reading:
**4:37**
